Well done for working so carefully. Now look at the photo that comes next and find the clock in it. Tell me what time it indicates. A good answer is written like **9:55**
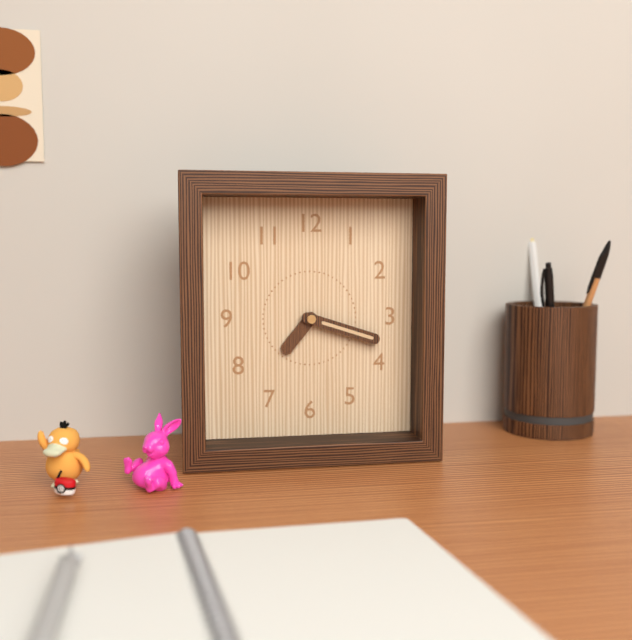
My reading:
**7:18**
